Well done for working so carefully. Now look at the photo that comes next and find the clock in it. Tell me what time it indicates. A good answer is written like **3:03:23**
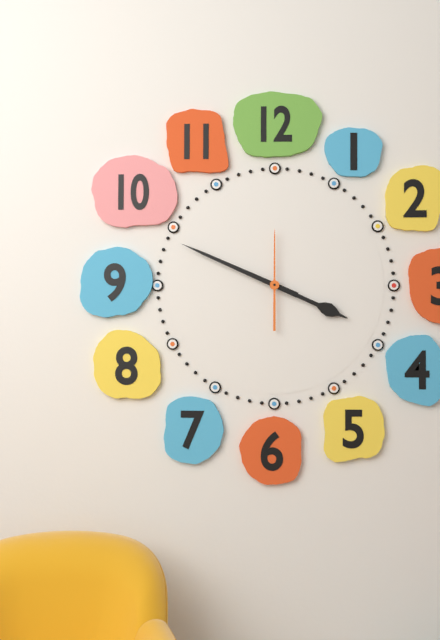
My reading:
**3:49:00**
